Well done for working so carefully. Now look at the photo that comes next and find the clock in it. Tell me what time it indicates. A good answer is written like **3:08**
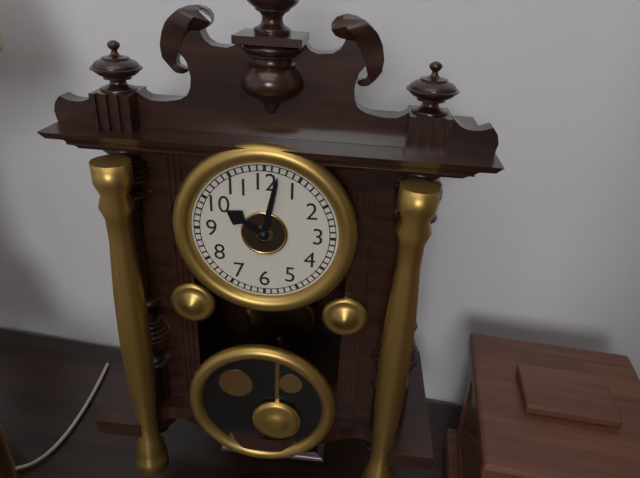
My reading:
**10:02**
